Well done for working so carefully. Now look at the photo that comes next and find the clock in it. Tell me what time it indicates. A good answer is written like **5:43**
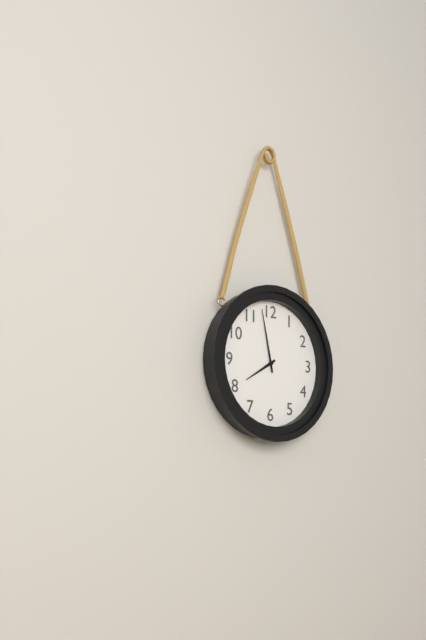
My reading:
**7:58**
